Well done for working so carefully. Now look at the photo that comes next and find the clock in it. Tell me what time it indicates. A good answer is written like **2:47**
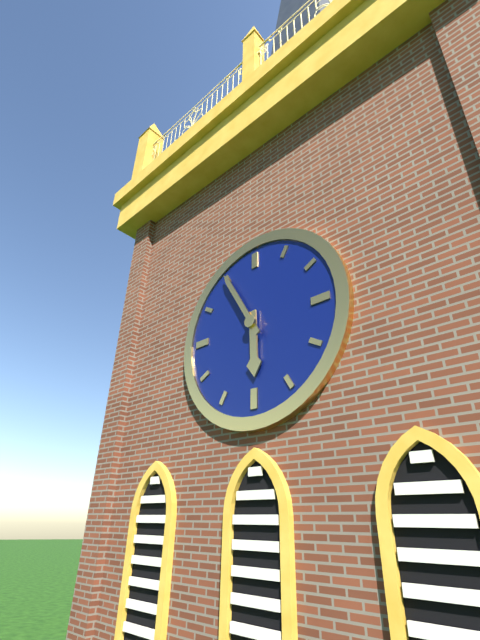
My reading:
**5:55**
